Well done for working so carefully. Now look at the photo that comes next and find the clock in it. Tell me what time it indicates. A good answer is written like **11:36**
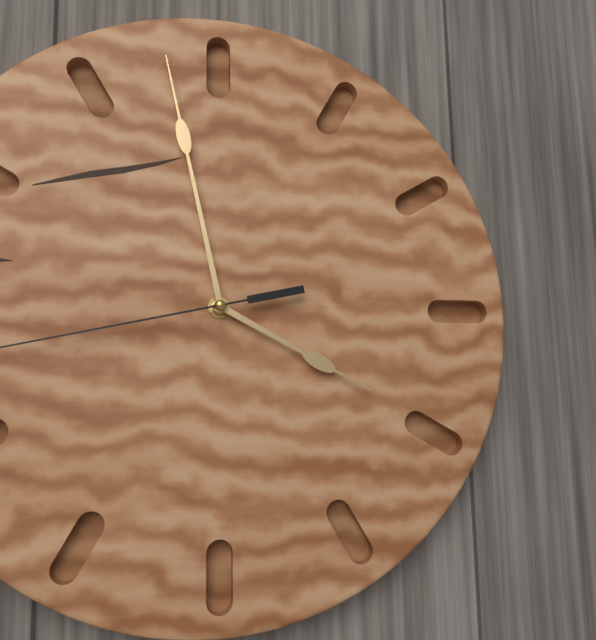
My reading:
**3:58**
